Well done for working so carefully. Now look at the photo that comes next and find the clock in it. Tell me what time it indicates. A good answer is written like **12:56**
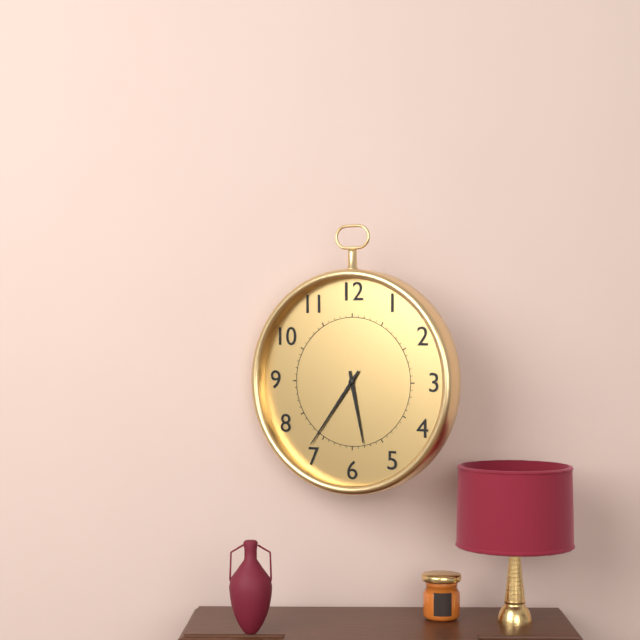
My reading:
**5:36**
